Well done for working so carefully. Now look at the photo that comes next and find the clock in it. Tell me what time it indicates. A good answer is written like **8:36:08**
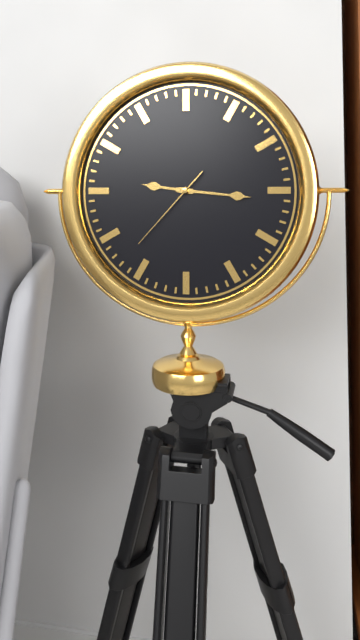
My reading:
**9:16:37**
